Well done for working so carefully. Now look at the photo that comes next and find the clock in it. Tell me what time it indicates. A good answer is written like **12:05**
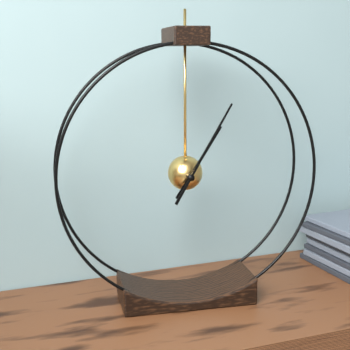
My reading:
**1:05**
